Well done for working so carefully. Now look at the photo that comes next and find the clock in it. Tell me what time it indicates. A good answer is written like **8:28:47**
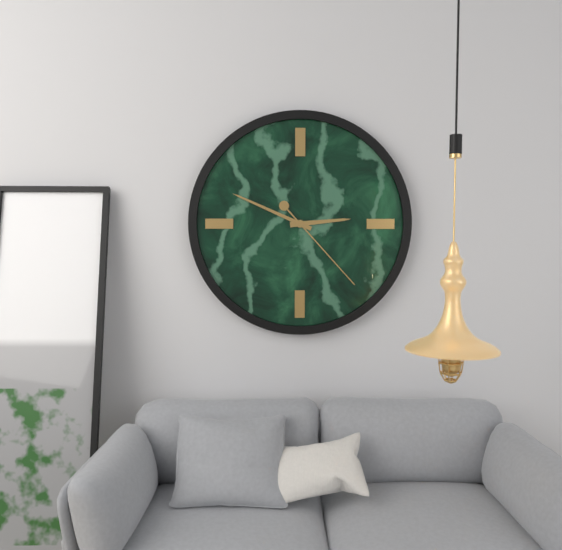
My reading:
**2:49:23**
